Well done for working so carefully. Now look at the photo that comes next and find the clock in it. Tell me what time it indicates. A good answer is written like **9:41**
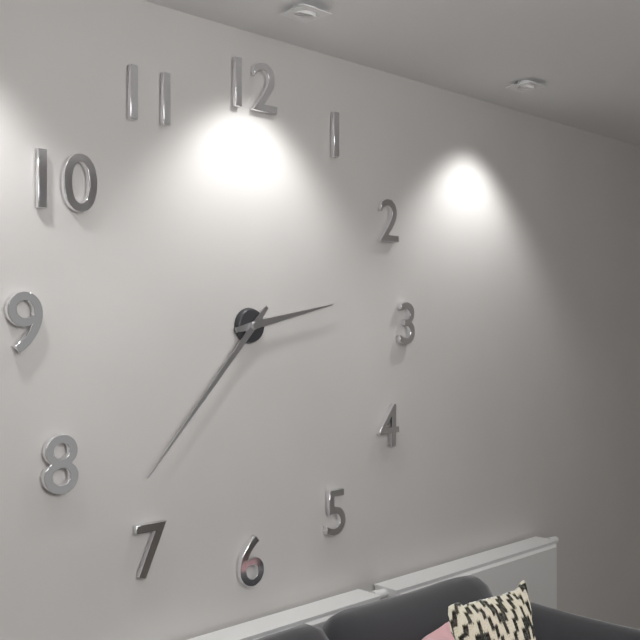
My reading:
**2:37**
